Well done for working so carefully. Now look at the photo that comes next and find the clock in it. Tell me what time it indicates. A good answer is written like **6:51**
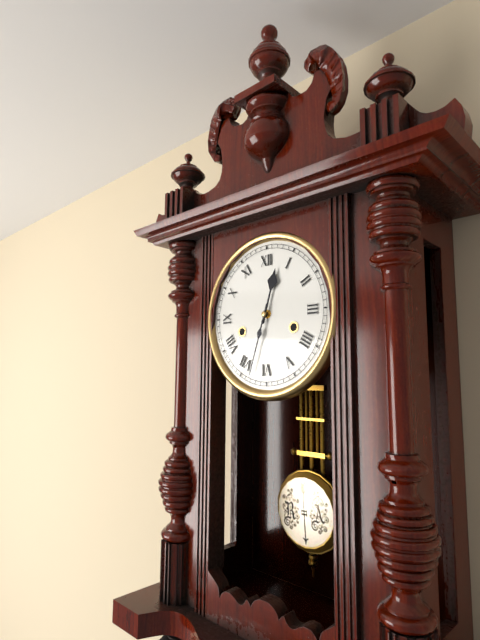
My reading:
**12:33**
